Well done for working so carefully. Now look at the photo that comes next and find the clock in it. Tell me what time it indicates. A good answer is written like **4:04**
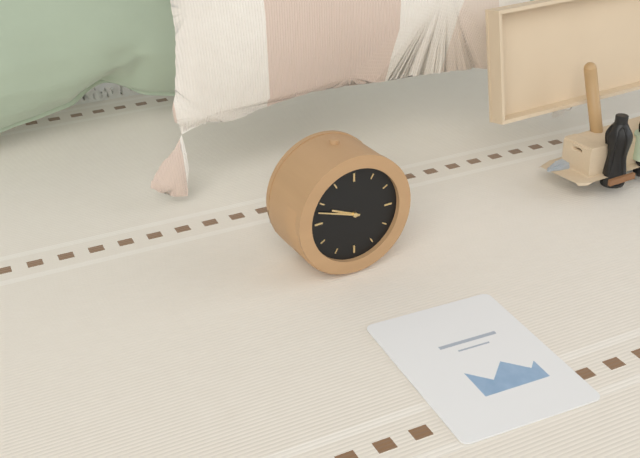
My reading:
**9:48**
